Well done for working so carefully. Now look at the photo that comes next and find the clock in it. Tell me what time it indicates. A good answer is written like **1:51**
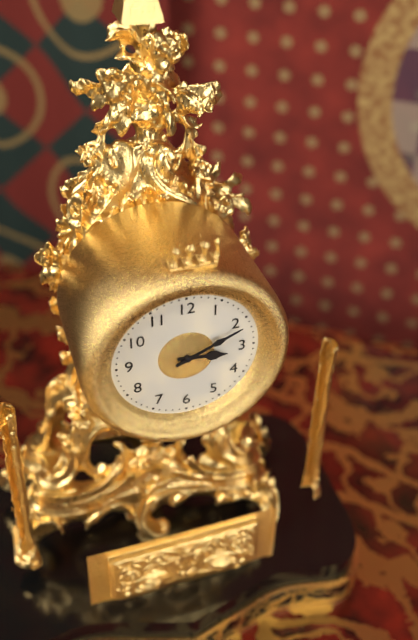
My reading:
**3:11**
